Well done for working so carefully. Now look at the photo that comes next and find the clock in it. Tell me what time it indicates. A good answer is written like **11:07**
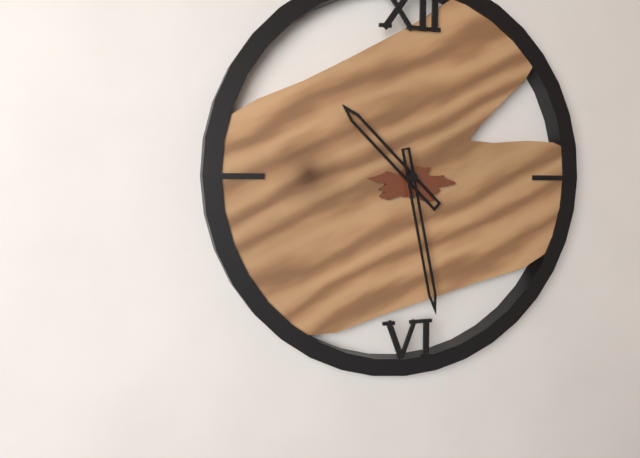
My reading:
**10:28**
